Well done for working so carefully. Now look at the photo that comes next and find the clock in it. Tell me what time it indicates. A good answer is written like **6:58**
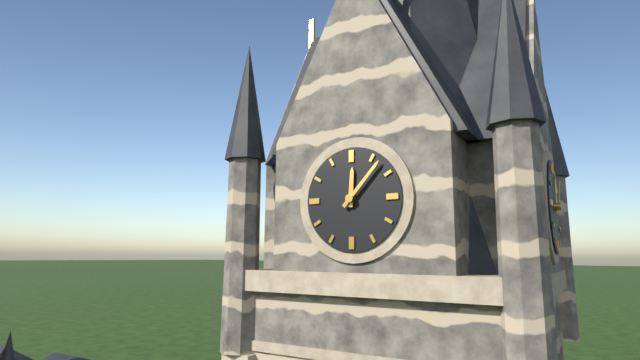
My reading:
**12:07**
